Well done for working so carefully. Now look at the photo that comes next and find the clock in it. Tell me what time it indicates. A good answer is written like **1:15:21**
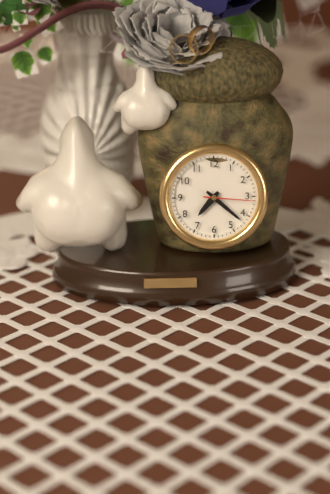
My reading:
**7:22:16**
